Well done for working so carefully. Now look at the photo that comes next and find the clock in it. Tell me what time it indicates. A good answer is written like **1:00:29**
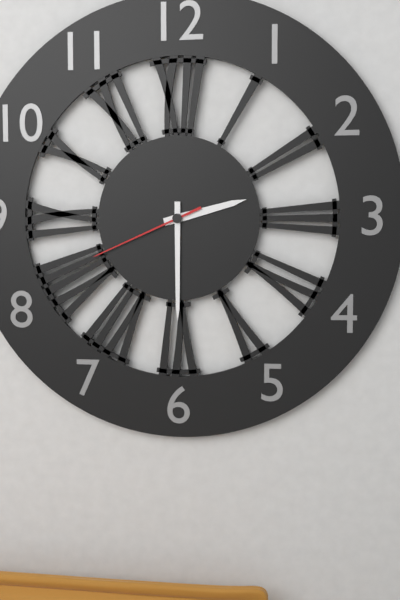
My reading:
**2:30:41**
